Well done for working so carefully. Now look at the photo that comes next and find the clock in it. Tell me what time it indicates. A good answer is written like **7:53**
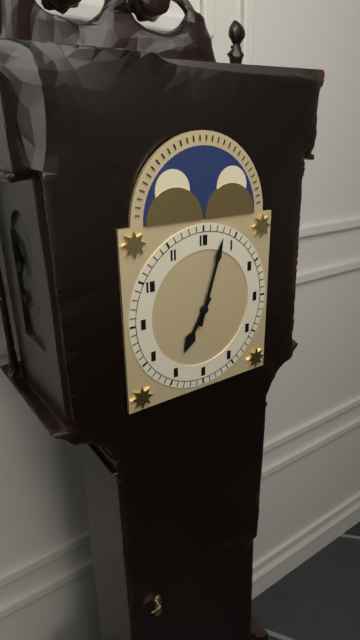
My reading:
**7:03**
